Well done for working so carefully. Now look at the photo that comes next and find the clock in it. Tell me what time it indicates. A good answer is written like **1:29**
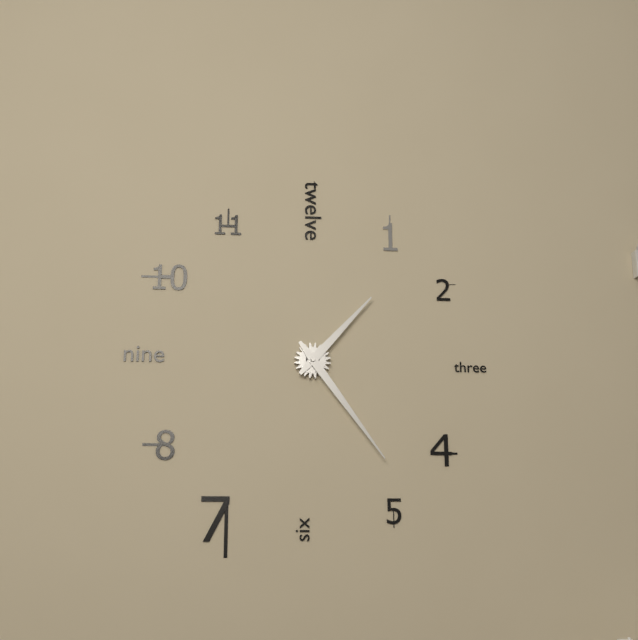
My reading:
**1:24**
